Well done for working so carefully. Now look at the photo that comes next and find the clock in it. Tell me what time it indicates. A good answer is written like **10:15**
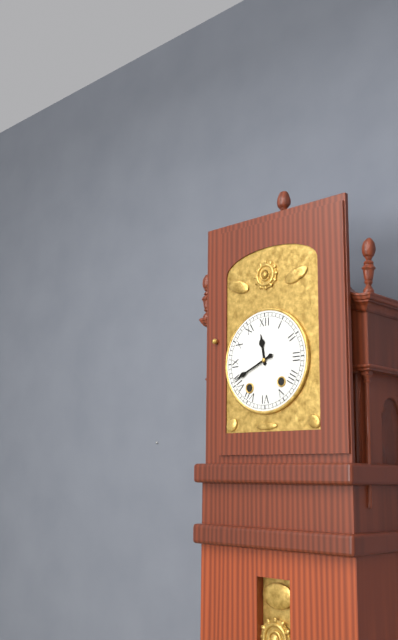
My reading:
**11:41**
